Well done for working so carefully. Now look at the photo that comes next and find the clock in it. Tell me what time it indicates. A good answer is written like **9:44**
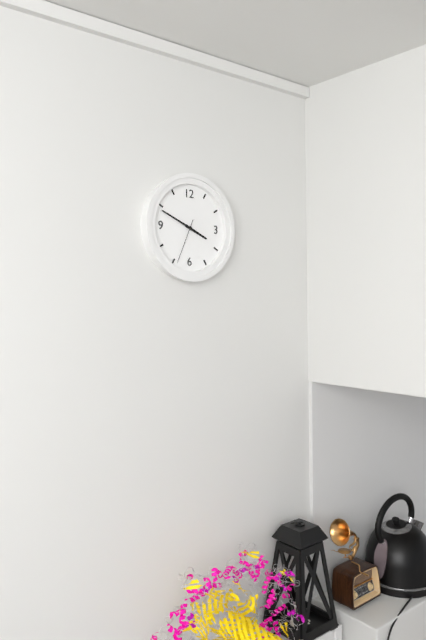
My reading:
**3:49**
